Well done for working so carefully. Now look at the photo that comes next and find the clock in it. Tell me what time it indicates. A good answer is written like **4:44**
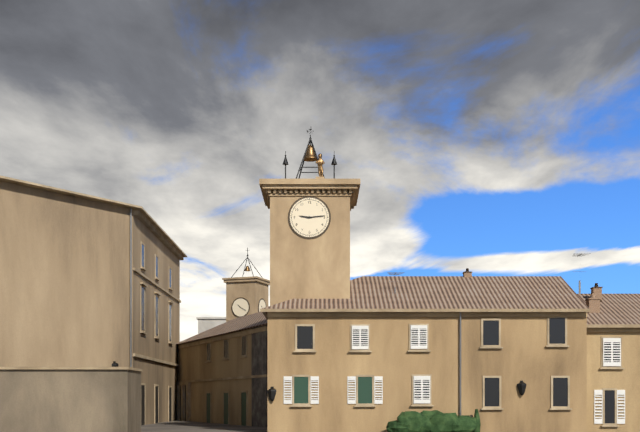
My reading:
**9:14**
